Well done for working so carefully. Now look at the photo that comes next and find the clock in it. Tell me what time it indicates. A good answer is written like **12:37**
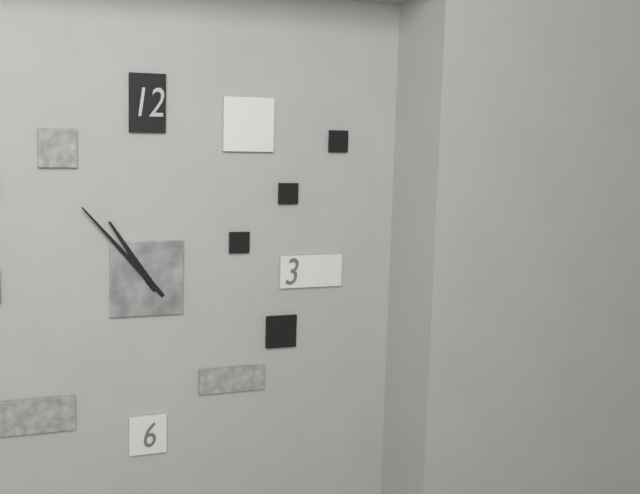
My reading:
**10:53**
